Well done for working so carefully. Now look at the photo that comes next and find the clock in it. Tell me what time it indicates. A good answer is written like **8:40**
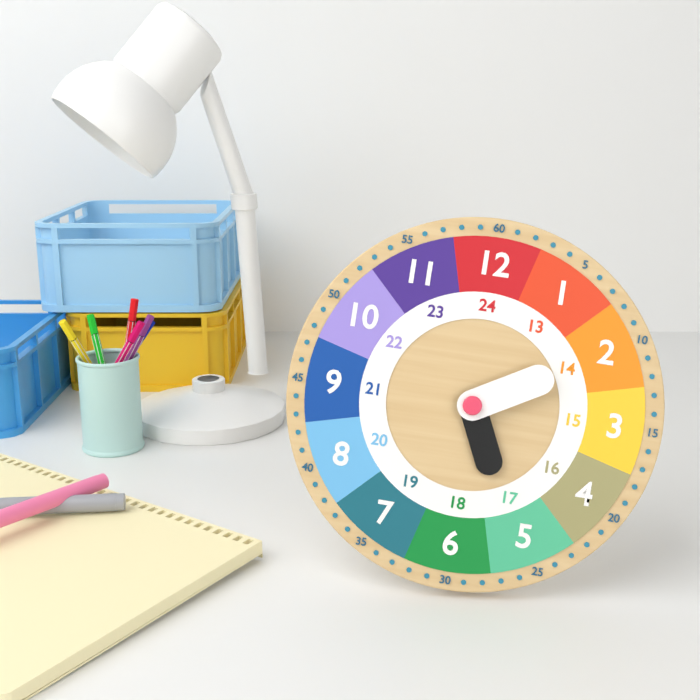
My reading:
**5:10**
